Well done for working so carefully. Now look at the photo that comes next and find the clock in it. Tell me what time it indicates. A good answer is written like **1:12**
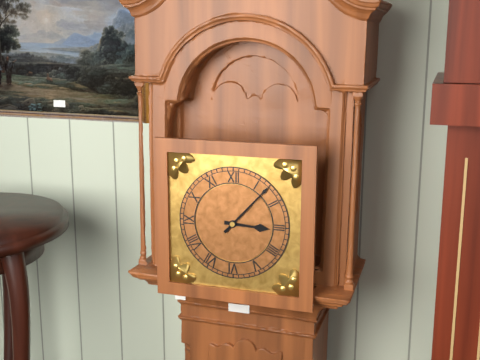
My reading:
**3:07**
